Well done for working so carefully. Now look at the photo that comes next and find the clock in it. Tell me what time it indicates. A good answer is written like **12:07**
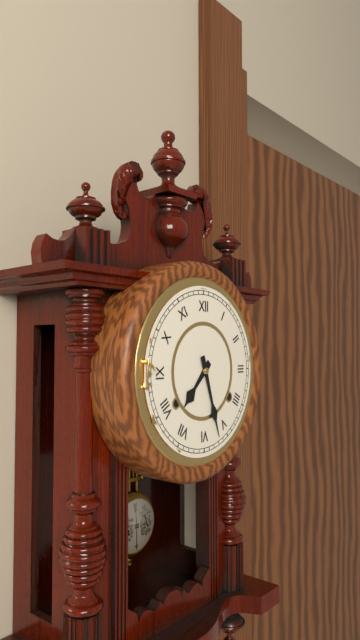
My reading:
**7:27**
